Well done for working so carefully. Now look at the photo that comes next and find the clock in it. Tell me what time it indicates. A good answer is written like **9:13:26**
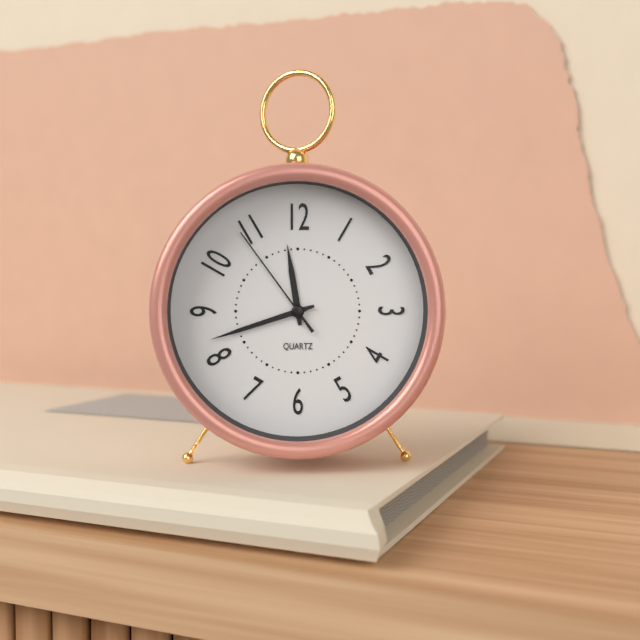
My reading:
**11:42:54**
